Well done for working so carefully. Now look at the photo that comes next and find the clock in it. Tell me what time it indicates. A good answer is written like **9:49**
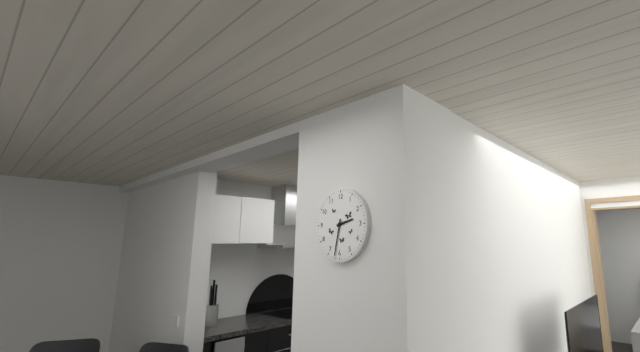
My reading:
**2:32**
